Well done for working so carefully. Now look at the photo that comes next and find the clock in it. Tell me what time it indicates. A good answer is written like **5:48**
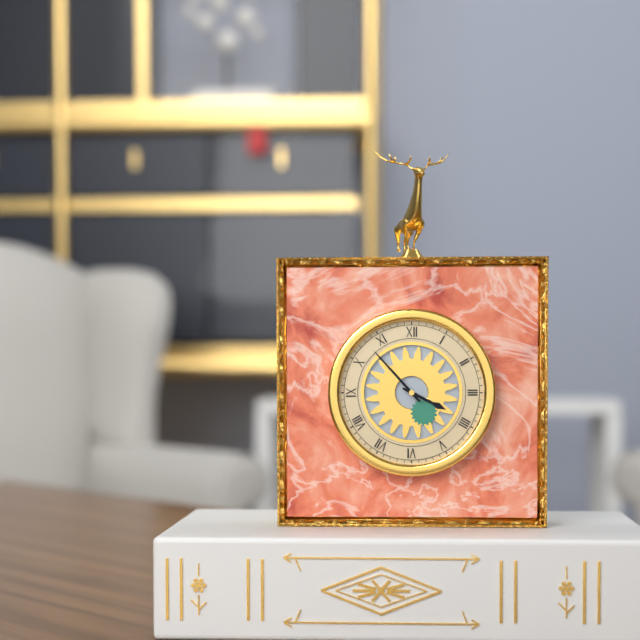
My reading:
**3:53**
